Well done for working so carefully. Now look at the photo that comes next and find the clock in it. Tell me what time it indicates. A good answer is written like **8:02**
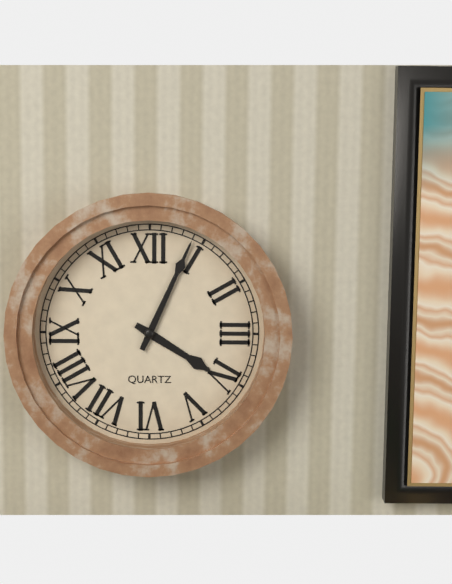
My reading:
**4:04**
